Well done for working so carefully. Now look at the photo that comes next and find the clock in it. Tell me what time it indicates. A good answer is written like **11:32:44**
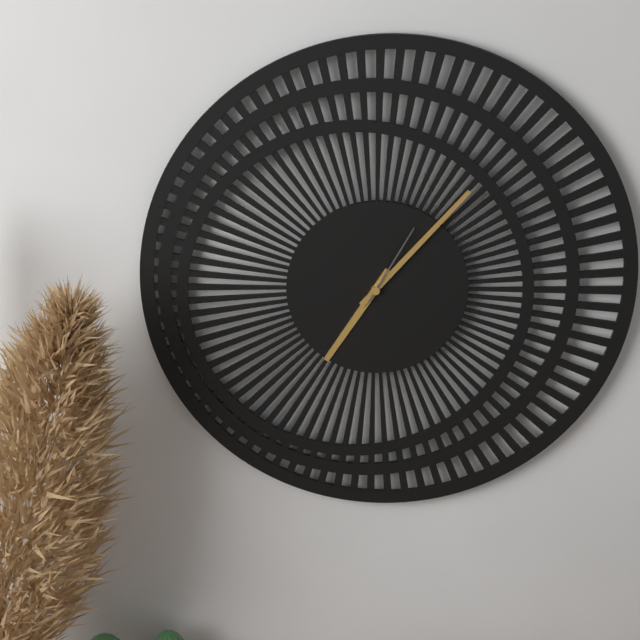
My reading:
**7:07:05**
